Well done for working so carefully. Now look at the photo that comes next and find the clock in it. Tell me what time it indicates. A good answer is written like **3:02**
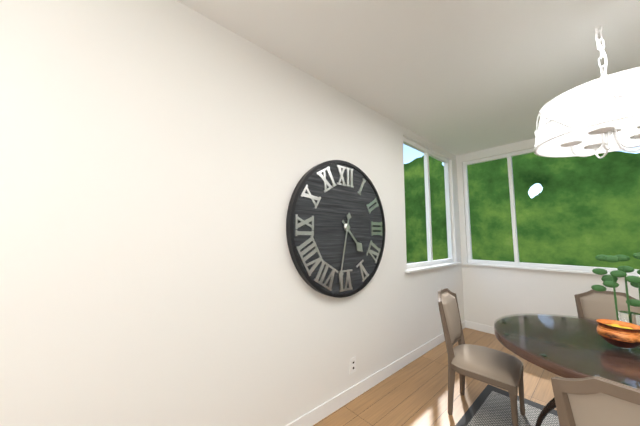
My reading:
**4:32**
